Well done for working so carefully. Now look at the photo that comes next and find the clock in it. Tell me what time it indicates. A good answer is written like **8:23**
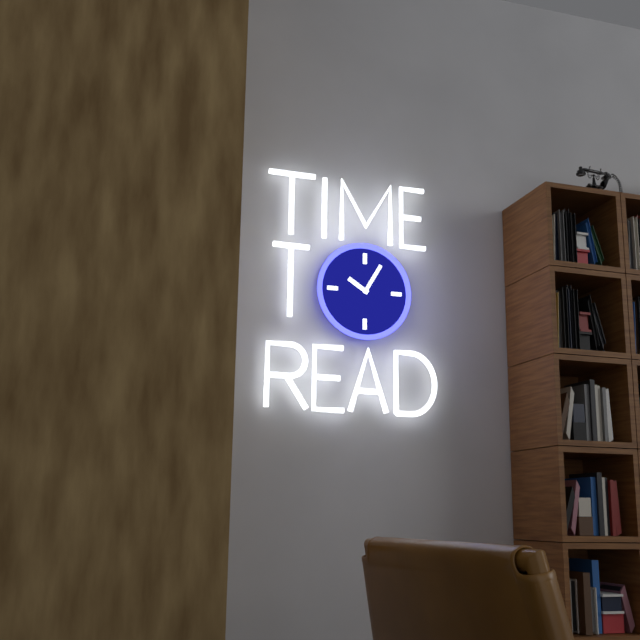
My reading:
**10:05**
